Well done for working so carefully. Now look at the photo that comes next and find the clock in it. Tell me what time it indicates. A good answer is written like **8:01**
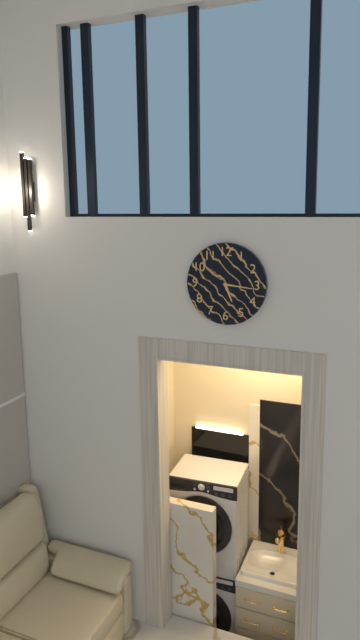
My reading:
**5:16**
